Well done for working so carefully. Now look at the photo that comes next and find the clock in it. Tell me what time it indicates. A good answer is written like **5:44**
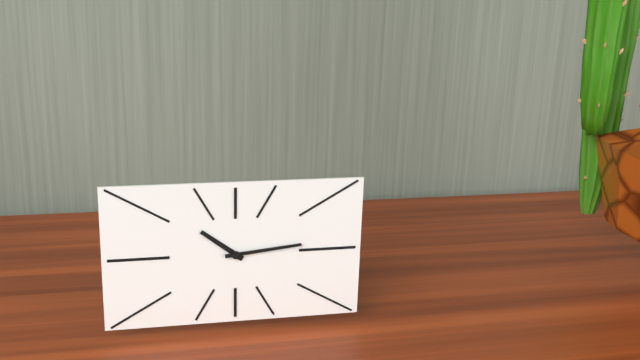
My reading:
**10:14**
